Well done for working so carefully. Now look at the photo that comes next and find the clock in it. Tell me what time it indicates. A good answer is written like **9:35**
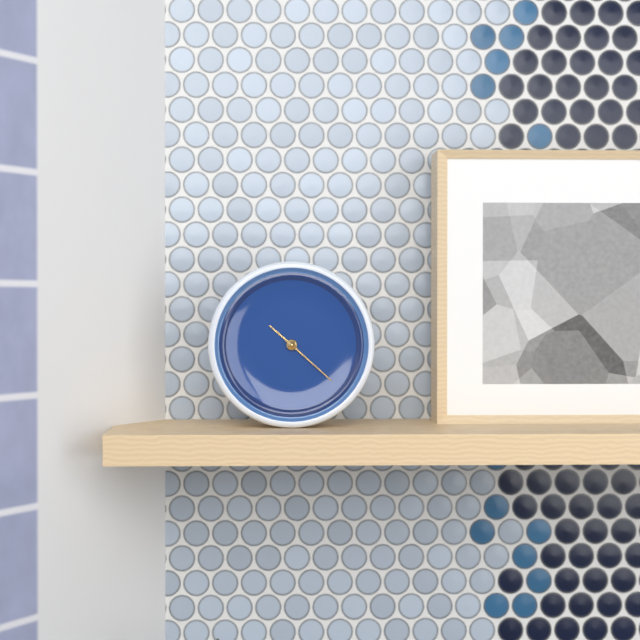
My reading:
**10:22**
